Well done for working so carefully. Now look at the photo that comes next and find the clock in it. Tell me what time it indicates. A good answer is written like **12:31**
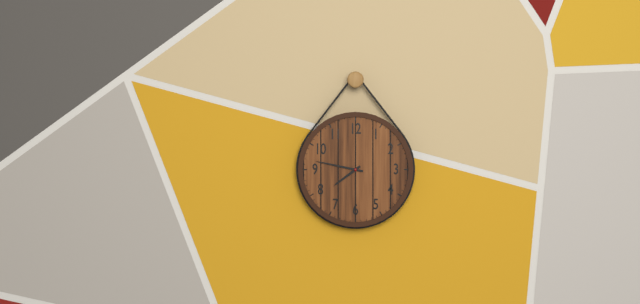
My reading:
**7:47**
